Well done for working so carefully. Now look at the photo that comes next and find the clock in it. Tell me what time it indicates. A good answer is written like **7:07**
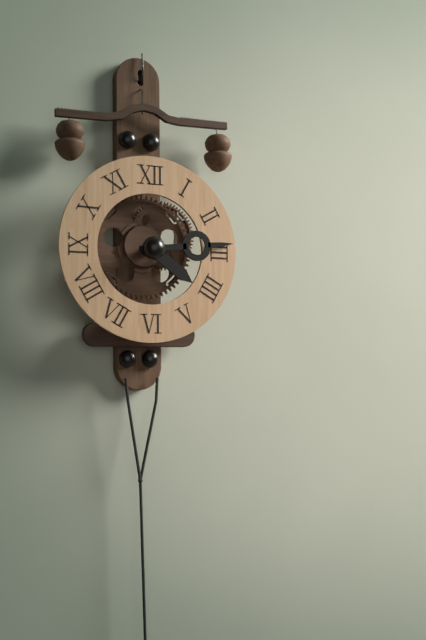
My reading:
**4:14**
